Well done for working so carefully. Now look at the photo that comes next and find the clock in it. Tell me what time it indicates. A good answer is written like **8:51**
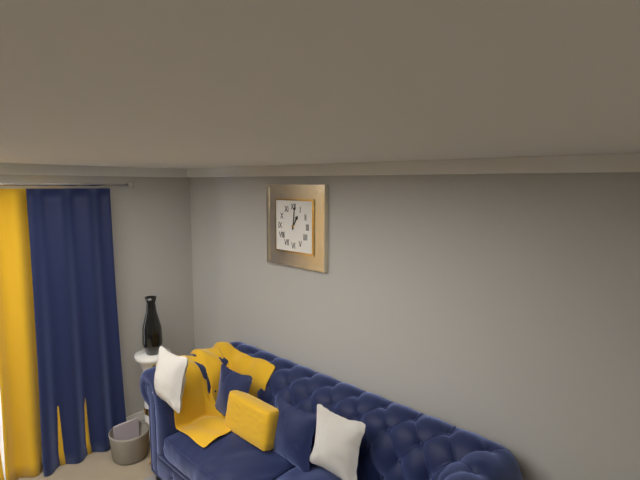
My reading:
**1:01**
